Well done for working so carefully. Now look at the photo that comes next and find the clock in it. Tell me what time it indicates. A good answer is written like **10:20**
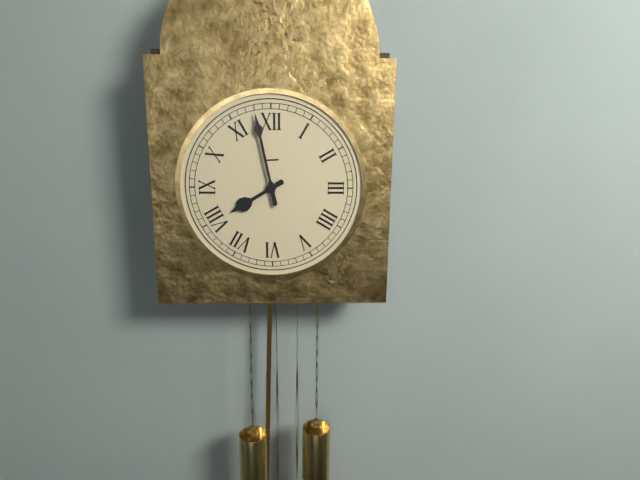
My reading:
**7:58**
